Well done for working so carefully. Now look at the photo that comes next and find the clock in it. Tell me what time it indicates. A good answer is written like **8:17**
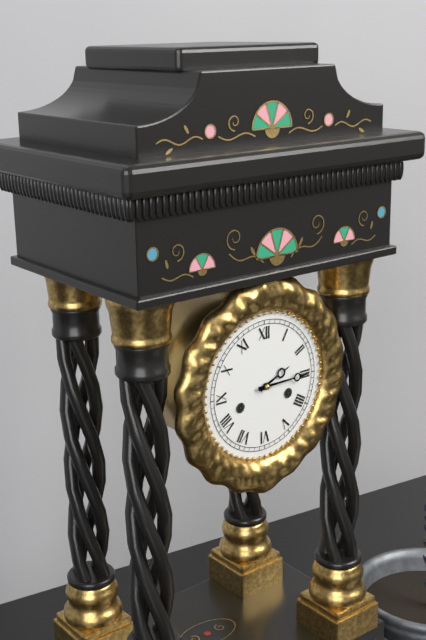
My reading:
**2:15**
